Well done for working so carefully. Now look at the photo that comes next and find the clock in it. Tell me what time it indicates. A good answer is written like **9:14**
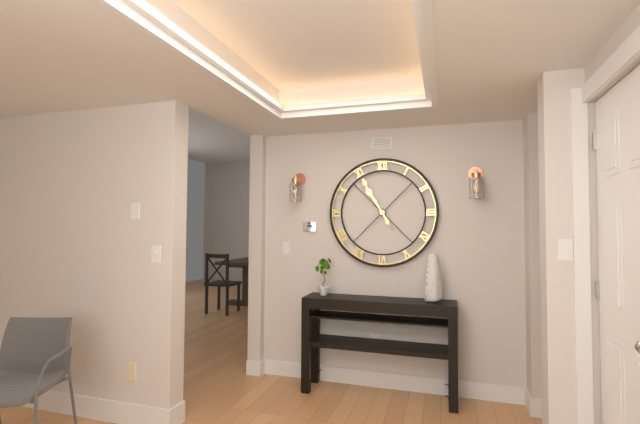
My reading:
**10:55**
